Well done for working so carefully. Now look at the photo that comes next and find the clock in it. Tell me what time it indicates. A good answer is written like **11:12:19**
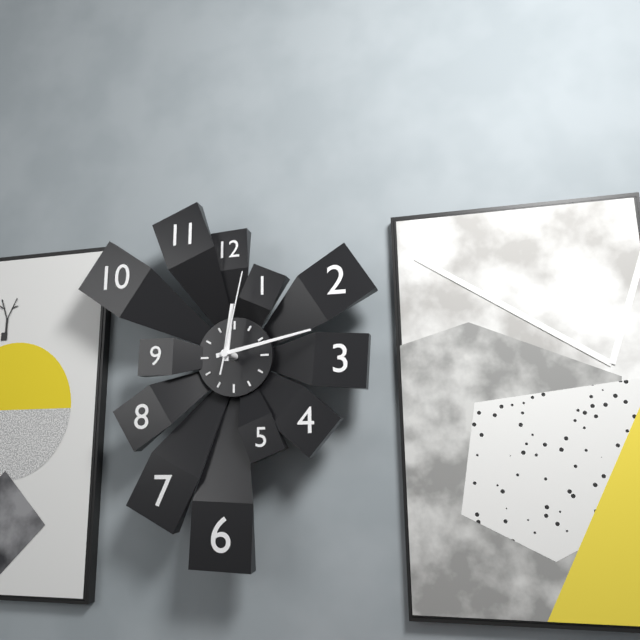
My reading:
**12:13:02**
